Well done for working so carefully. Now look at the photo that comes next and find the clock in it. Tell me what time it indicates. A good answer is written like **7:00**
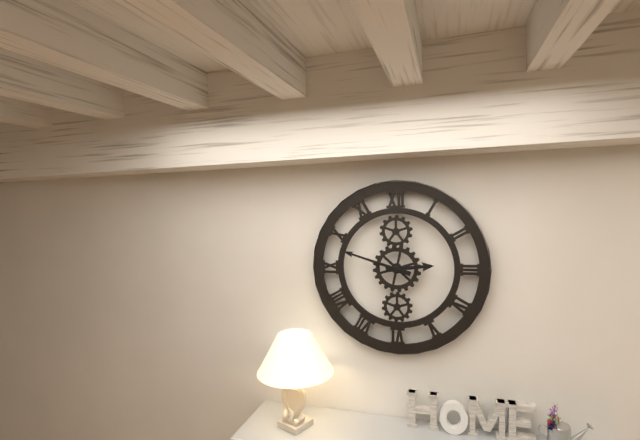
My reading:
**2:48**
